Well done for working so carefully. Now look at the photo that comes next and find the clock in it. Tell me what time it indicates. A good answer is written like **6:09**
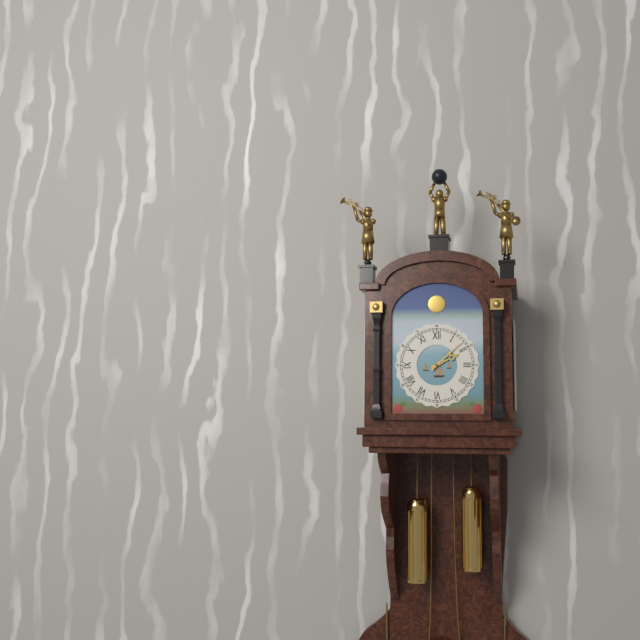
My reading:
**2:08**
